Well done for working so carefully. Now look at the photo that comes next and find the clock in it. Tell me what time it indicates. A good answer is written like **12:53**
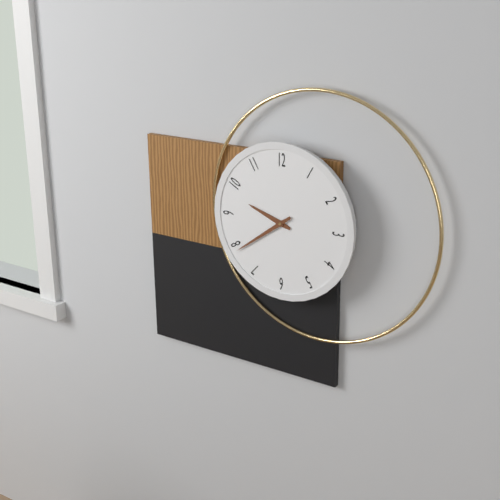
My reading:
**9:39**
